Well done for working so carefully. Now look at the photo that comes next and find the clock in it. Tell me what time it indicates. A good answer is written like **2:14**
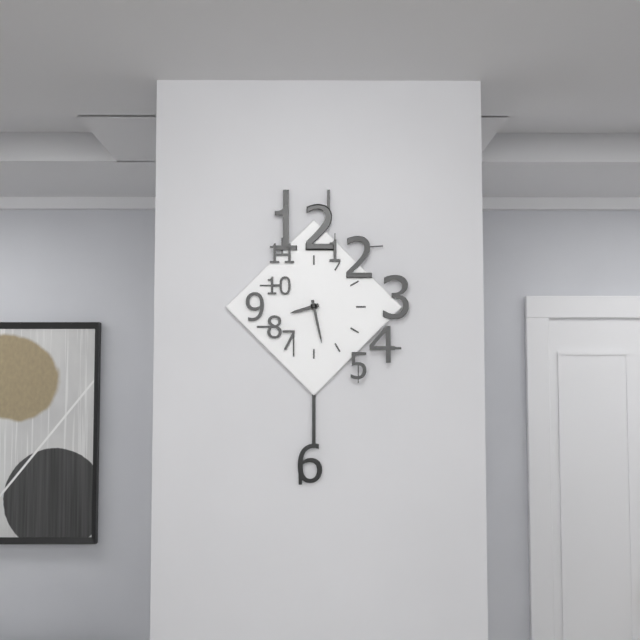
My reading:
**8:28**
